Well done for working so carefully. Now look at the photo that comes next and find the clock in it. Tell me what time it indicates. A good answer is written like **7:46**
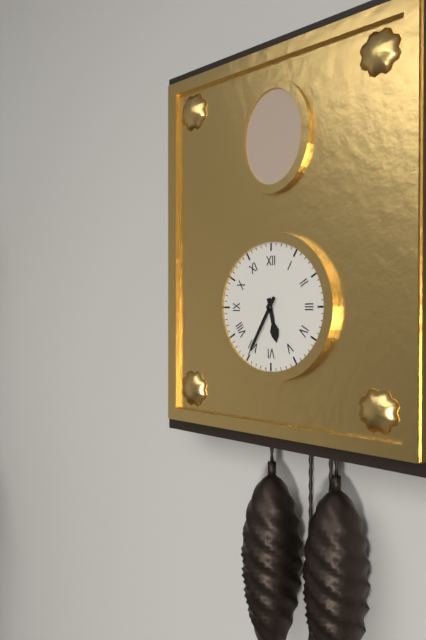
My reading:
**5:35**
